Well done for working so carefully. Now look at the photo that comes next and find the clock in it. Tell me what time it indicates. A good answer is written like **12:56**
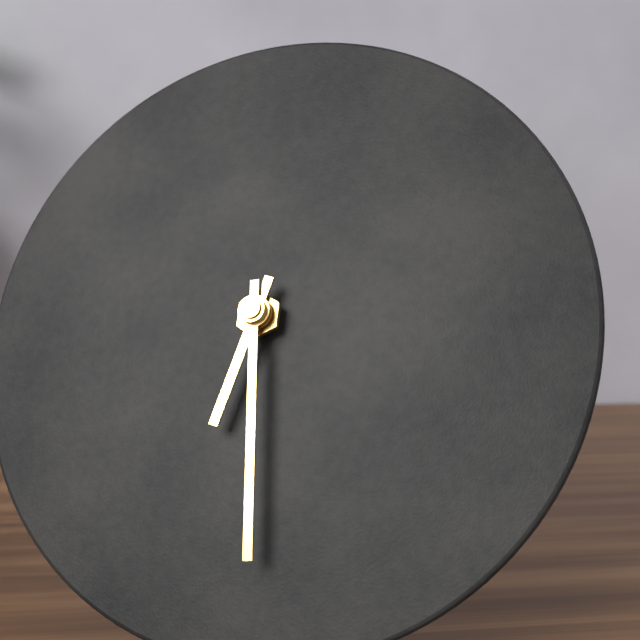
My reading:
**6:29**
